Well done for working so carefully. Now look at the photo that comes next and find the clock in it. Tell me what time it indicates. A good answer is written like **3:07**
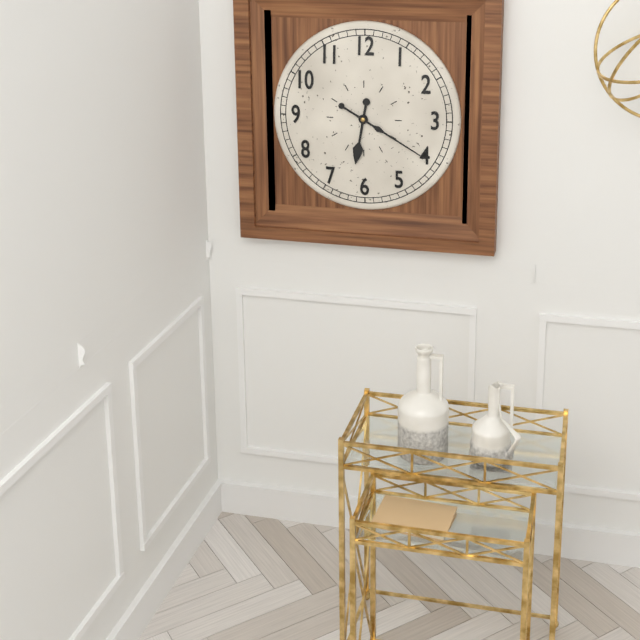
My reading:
**6:20**
